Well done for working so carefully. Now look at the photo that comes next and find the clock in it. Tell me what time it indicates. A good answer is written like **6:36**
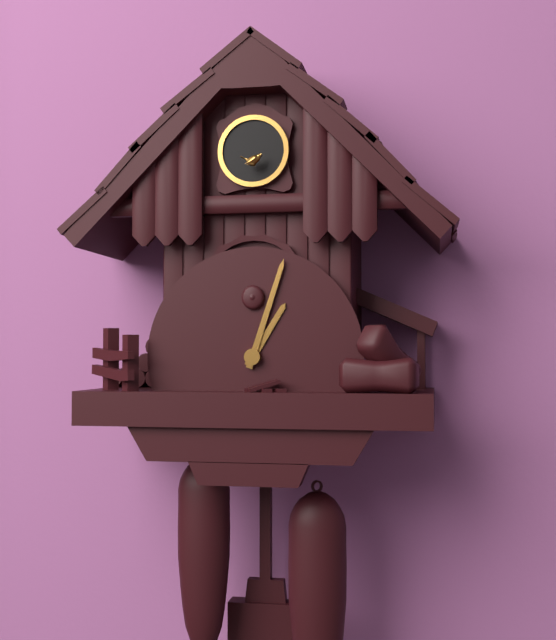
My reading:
**1:03**
